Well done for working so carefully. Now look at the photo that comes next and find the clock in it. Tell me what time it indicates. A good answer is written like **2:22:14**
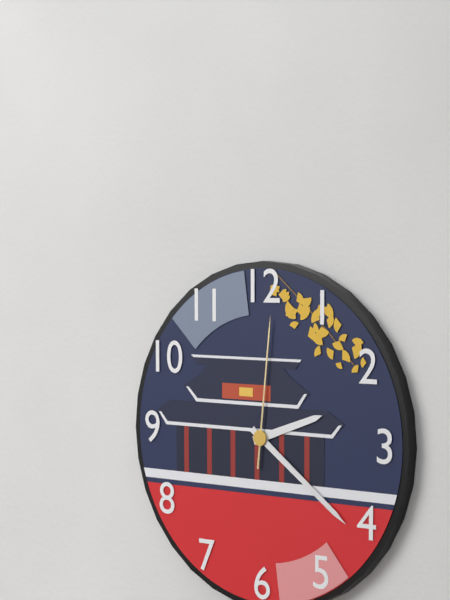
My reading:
**2:21:01**
